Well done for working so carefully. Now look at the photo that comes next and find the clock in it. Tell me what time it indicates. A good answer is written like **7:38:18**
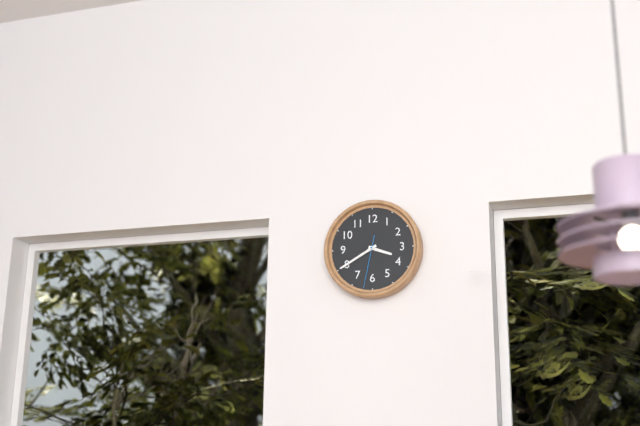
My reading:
**3:40:32**
